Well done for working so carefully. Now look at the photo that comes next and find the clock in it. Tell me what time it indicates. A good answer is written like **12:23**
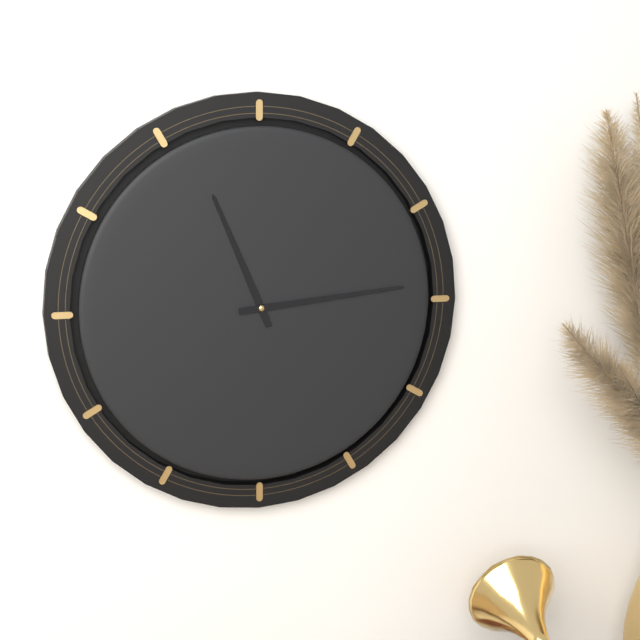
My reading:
**11:14**
